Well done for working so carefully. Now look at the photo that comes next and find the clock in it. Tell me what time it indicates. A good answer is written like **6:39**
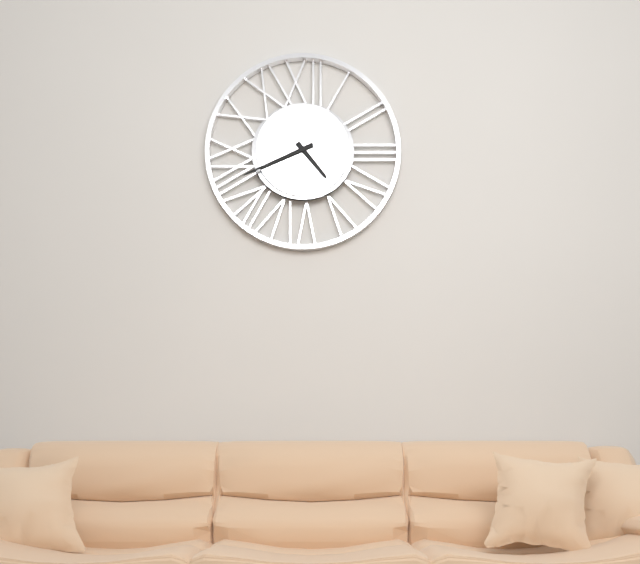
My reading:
**4:41**
